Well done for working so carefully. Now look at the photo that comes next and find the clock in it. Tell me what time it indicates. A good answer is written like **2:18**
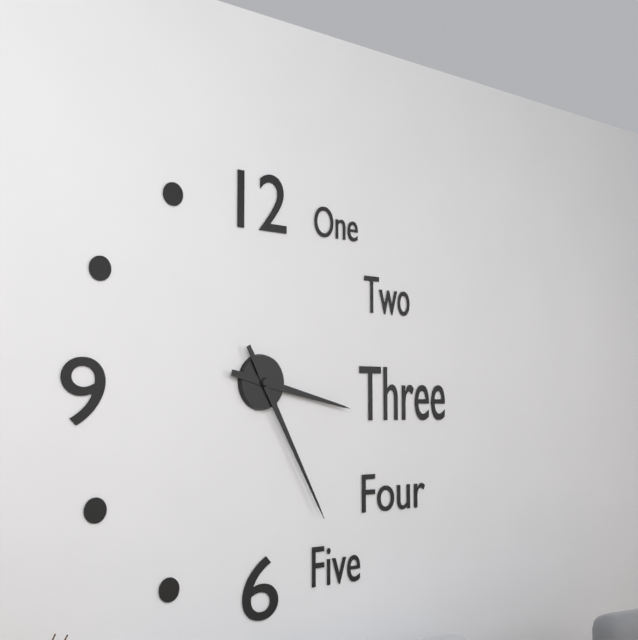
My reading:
**3:25**
